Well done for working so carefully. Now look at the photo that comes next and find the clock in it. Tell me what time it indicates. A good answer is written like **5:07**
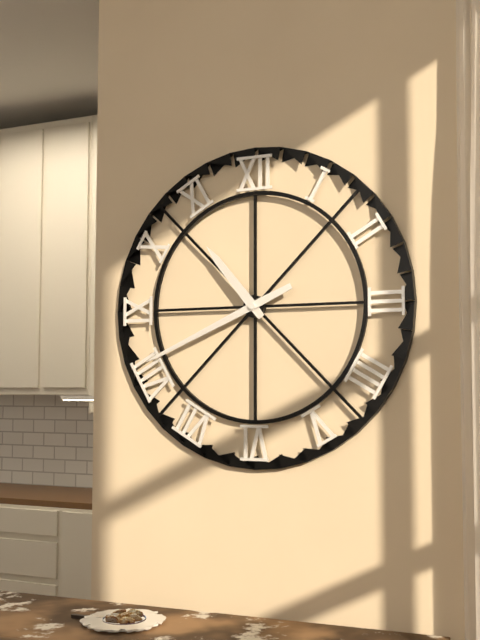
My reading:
**10:41**
